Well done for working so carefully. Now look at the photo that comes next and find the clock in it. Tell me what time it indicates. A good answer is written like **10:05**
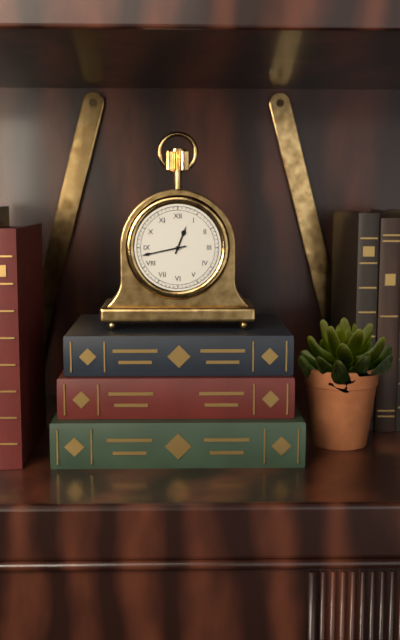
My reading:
**12:43**
